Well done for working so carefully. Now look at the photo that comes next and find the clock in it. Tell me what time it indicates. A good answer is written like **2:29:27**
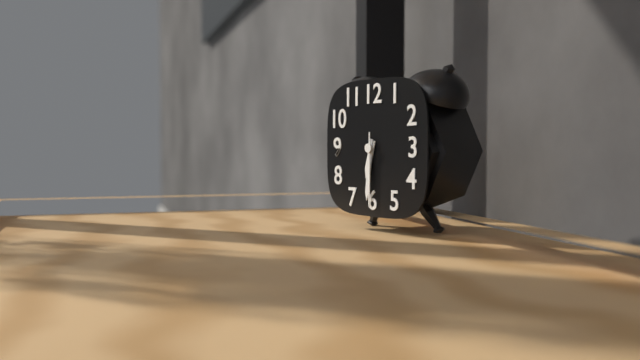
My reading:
**6:31:30**
